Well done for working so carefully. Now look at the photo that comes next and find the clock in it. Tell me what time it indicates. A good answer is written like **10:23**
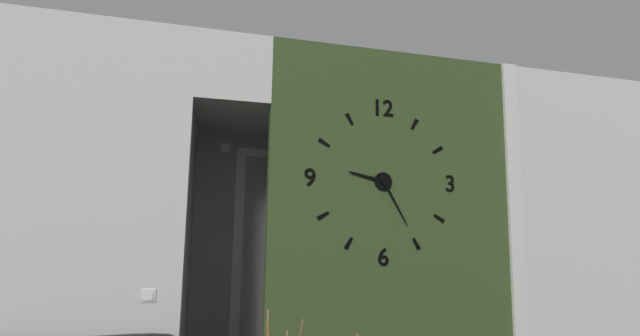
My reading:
**9:25**
